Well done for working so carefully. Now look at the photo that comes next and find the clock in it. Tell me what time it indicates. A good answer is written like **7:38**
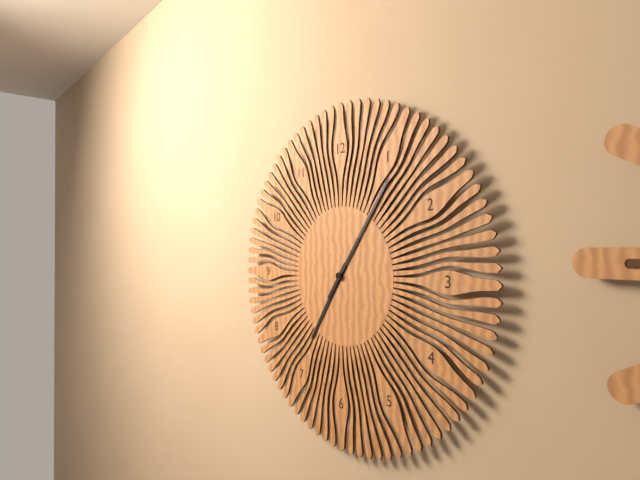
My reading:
**7:06**
